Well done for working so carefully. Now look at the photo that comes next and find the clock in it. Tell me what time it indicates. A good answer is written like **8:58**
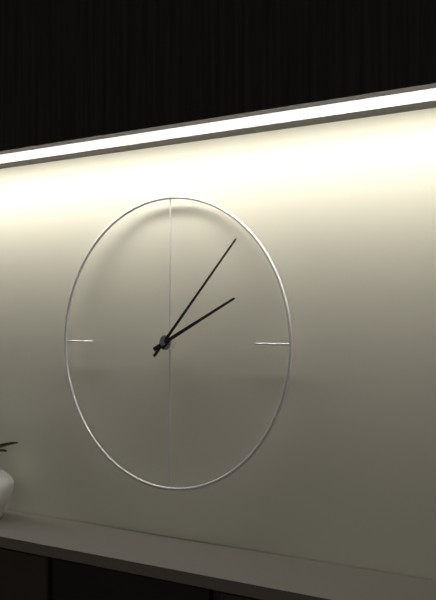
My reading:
**2:07**
